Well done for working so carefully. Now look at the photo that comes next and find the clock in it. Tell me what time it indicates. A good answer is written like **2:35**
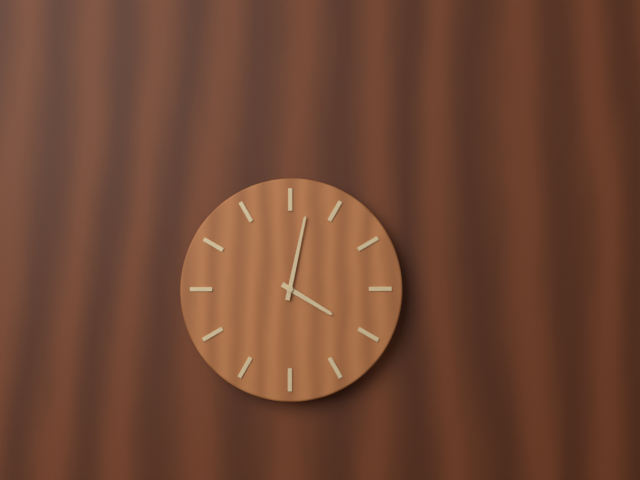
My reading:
**4:02**
